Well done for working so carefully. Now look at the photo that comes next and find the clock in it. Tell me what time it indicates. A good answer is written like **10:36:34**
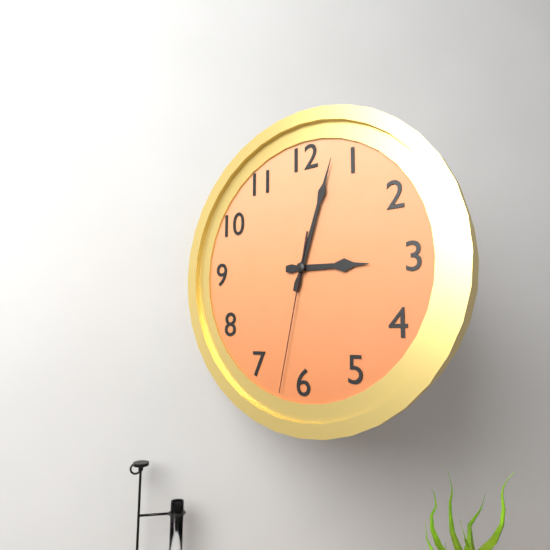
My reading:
**3:03:32**
